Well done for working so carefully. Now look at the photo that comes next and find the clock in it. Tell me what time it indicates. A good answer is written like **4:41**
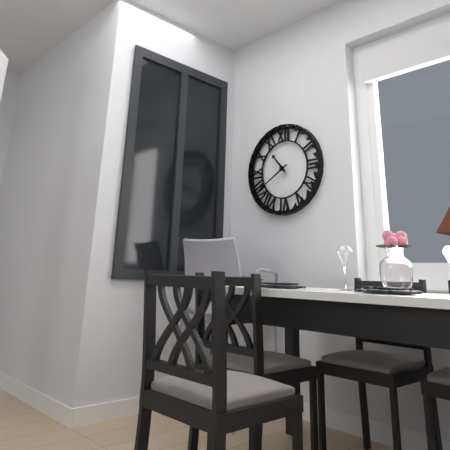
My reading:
**10:40**
